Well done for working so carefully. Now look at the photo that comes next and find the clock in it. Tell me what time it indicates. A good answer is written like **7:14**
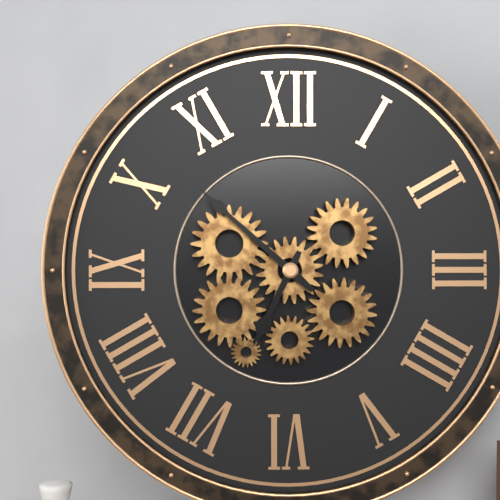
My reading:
**6:52**
